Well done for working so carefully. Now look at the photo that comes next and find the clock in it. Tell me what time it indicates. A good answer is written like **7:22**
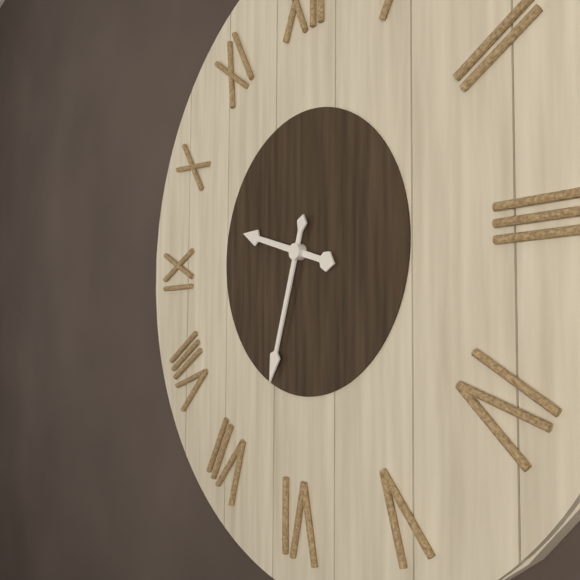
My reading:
**9:33**
